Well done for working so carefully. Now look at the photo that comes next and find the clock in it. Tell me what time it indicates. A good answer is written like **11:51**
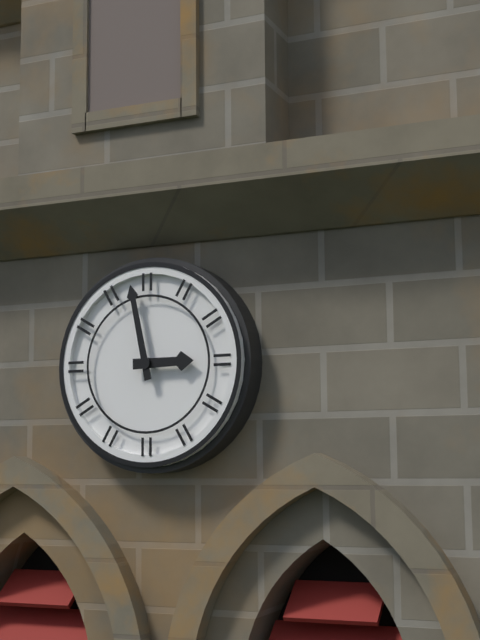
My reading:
**2:58**
